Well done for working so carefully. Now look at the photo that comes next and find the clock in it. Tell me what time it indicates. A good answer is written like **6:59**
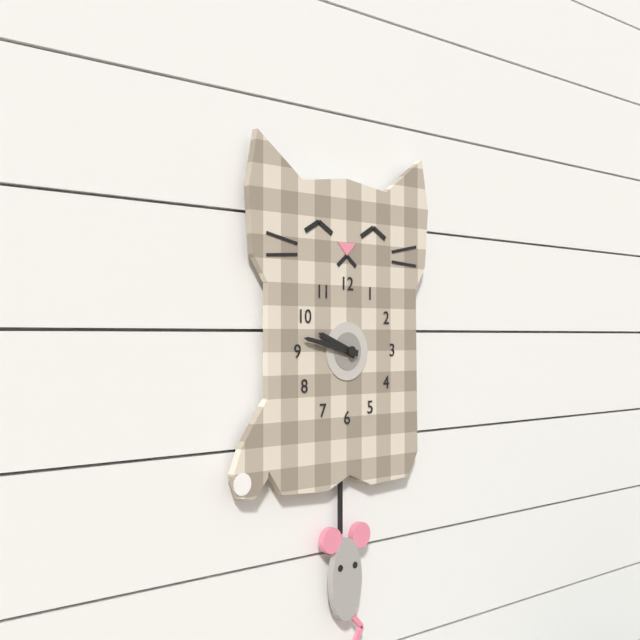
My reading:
**9:47**
